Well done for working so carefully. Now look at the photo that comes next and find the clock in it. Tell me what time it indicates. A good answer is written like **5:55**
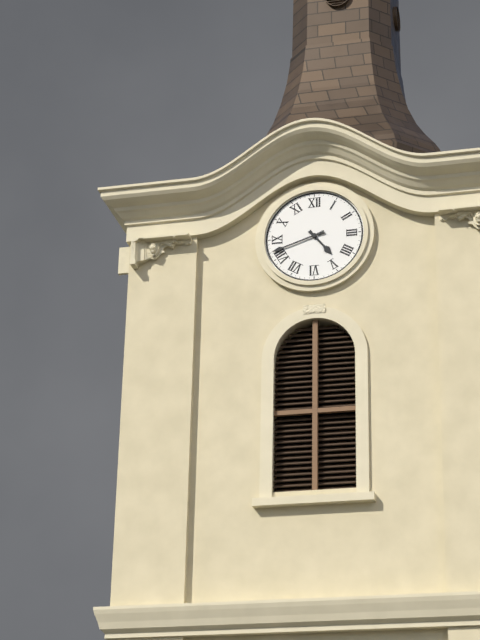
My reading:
**4:42**
